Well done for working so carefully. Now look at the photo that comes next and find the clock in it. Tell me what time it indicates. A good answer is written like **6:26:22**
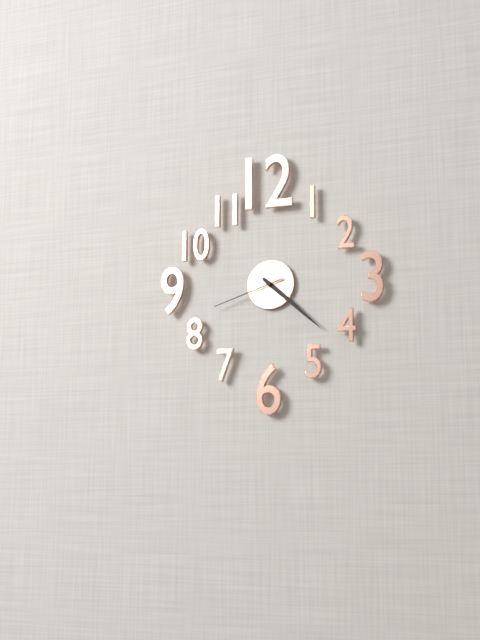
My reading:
**4:22:42**
